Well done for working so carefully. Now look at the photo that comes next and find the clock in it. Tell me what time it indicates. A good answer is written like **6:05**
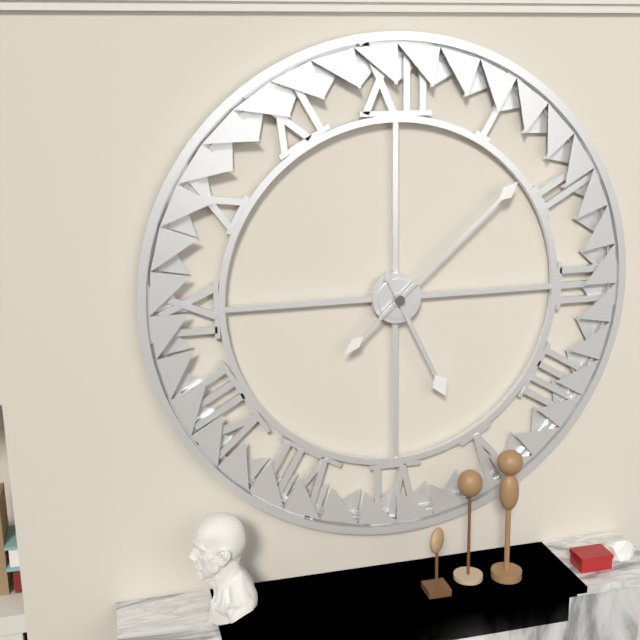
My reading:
**5:08**
